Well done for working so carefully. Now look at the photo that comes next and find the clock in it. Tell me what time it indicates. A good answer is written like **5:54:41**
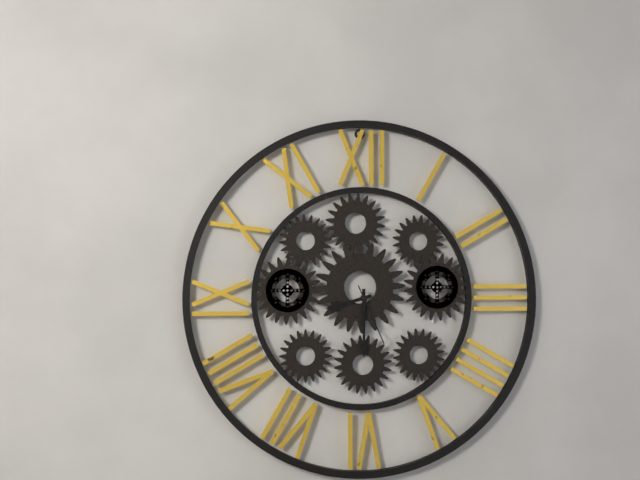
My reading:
**8:30:26**
